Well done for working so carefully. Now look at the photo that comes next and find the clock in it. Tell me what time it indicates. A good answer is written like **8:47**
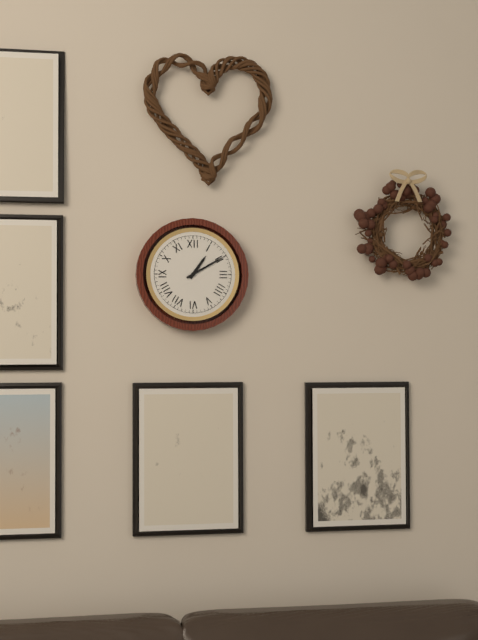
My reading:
**1:10**
